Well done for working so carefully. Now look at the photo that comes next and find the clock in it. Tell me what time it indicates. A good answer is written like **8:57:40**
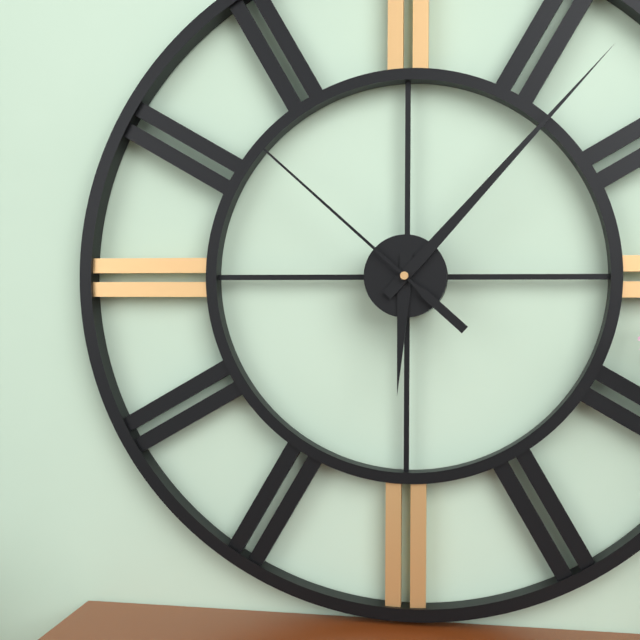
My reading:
**6:07:52**
